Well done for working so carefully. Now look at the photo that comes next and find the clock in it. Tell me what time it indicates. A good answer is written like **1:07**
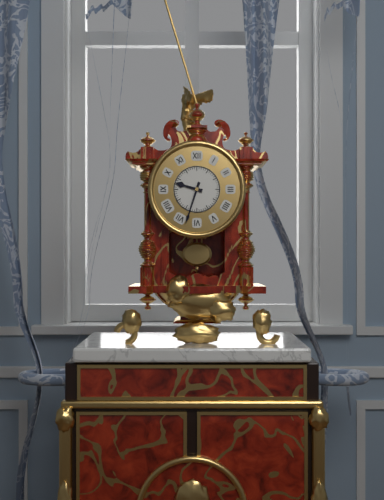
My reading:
**9:33**
